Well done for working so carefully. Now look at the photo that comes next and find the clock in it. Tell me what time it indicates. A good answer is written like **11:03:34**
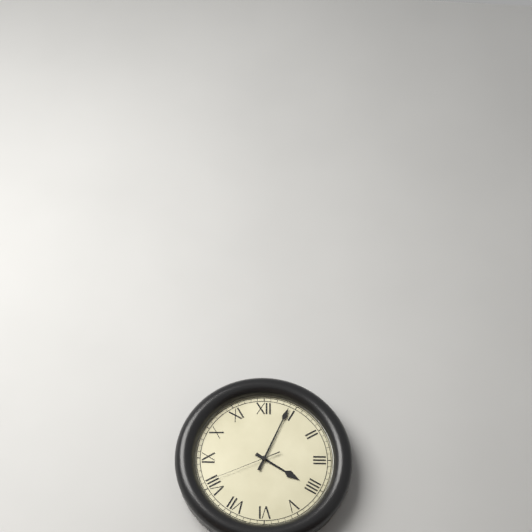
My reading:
**4:04:41**
